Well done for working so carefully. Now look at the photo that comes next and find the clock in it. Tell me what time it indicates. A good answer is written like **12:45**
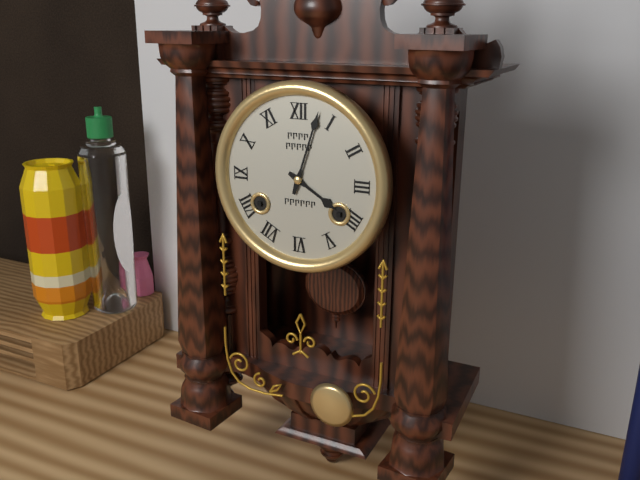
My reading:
**4:03**
